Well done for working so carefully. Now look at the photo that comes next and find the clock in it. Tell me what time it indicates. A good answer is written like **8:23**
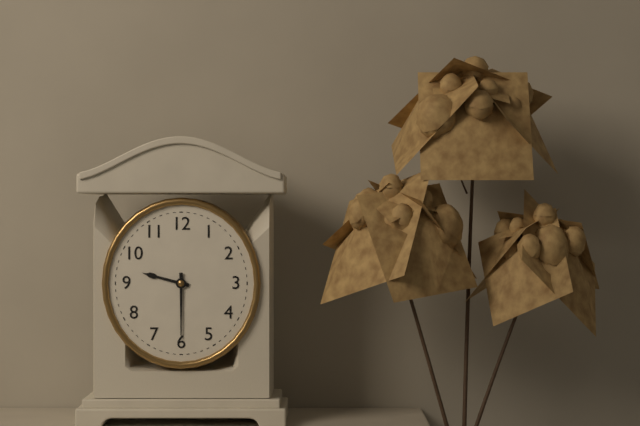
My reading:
**9:30**
